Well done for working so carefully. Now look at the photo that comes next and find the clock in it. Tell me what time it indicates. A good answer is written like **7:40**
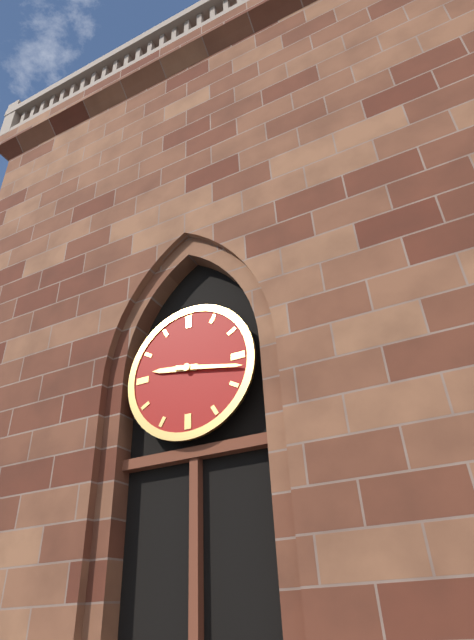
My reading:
**9:17**
